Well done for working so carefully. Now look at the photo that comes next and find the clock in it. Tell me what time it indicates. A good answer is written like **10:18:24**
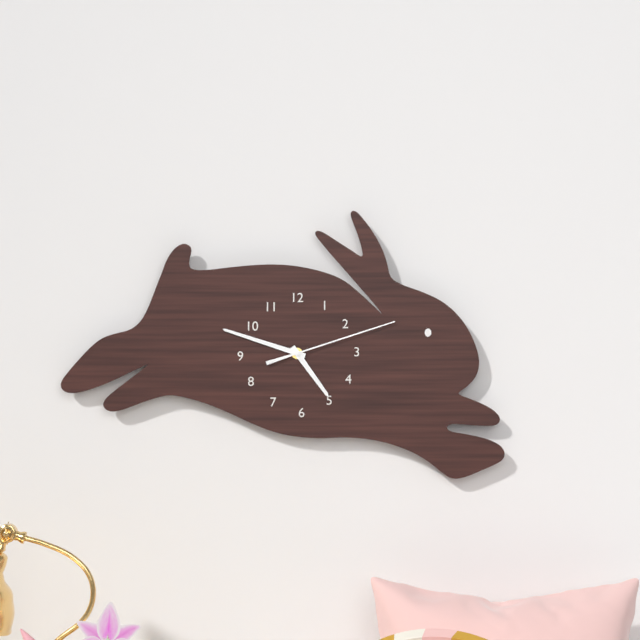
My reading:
**4:48:12**
